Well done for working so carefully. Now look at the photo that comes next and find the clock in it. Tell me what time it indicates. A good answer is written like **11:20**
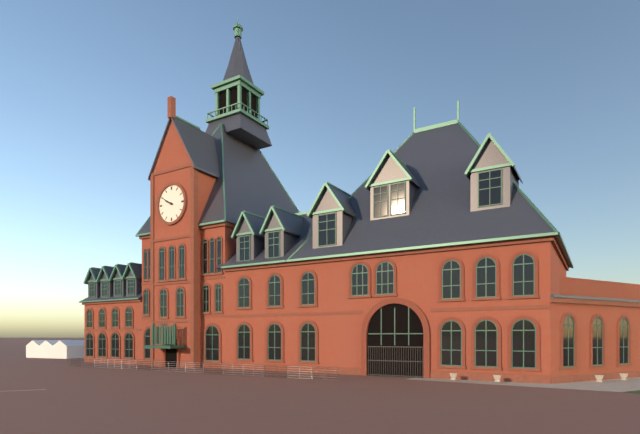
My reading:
**9:50**
